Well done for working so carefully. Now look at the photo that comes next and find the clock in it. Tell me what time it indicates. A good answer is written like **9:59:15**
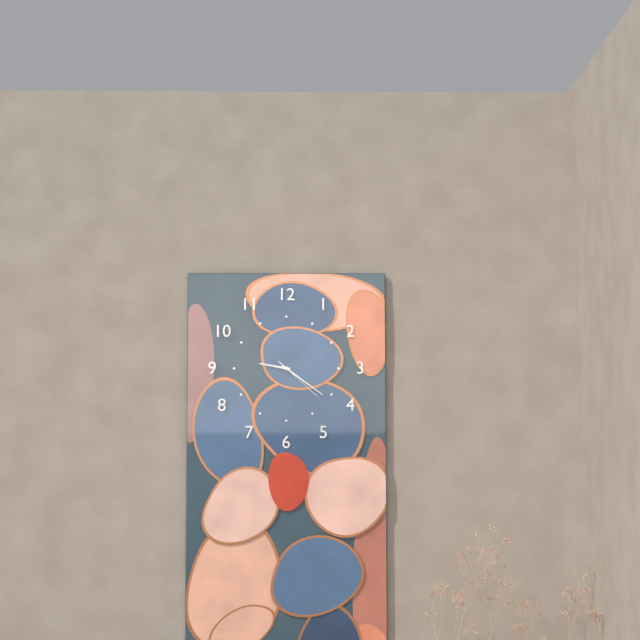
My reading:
**9:21:22**
